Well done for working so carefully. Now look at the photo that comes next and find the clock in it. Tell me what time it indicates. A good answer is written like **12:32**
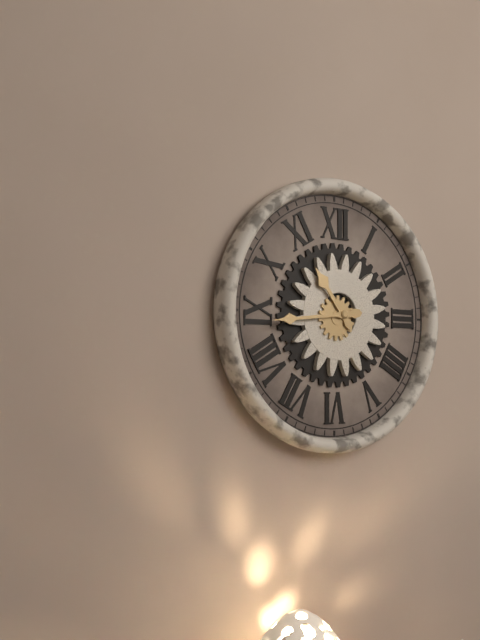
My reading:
**10:44**
